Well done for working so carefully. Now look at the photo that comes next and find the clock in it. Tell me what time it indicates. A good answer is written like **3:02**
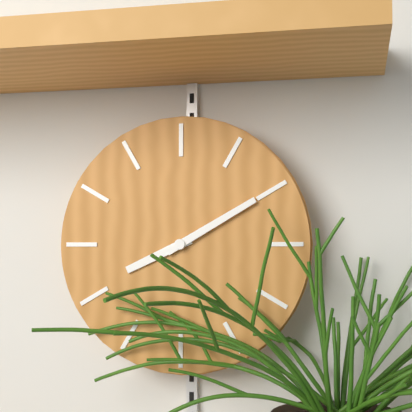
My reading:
**8:10**
